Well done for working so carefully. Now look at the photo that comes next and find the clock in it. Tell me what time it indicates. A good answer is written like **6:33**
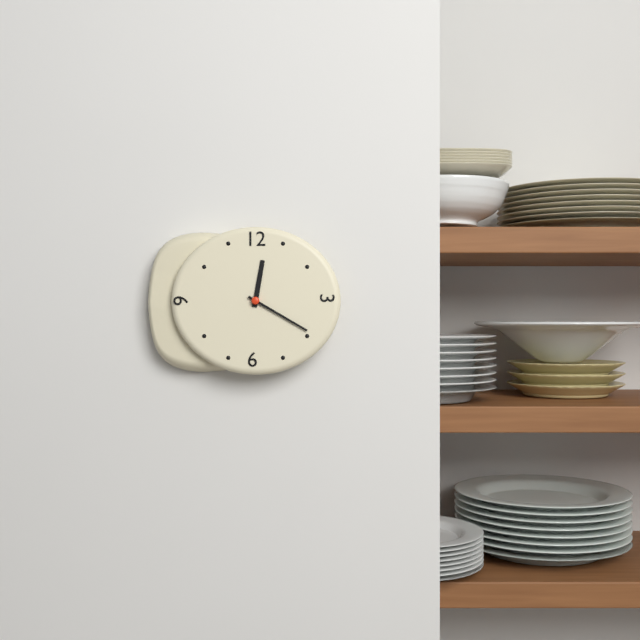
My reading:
**12:20**
